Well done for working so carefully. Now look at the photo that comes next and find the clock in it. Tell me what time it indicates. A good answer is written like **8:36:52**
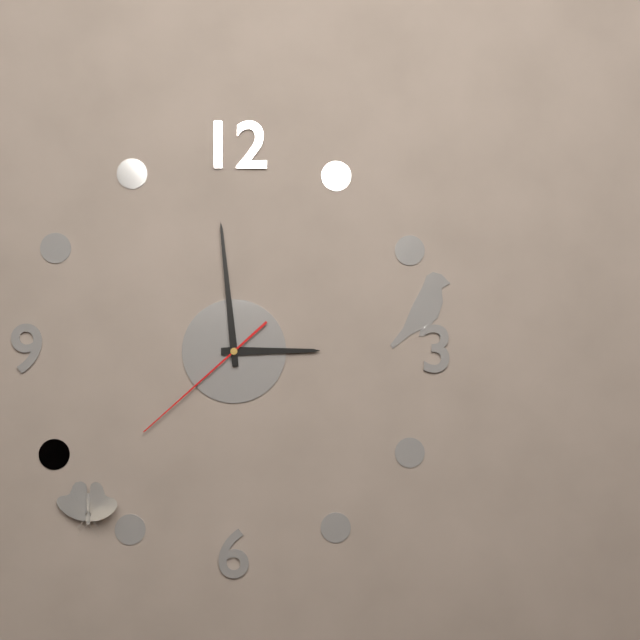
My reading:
**2:59:38**
